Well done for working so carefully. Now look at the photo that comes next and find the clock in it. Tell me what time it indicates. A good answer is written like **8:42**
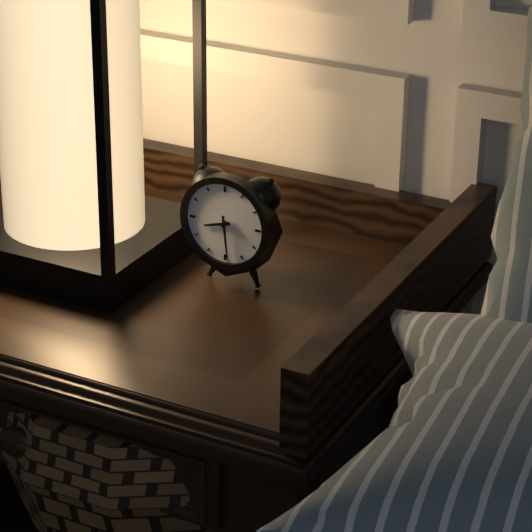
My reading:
**8:29**
